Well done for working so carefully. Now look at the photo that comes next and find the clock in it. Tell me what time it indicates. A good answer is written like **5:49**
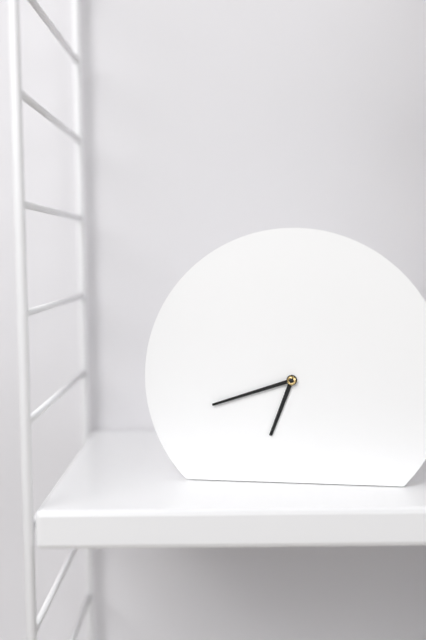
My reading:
**6:42**
